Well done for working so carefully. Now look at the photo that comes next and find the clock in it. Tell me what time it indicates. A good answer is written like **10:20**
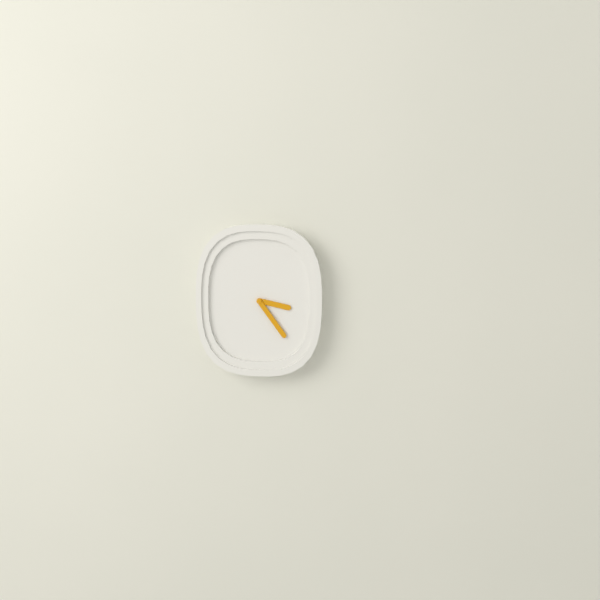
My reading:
**3:24**
